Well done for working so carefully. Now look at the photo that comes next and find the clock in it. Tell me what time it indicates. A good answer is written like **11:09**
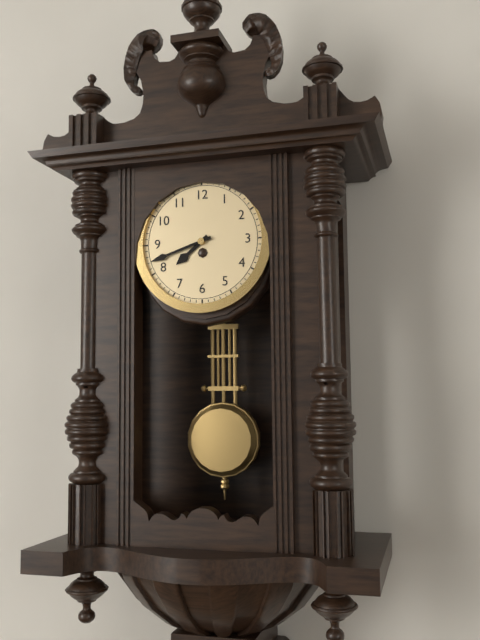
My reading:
**7:42**
